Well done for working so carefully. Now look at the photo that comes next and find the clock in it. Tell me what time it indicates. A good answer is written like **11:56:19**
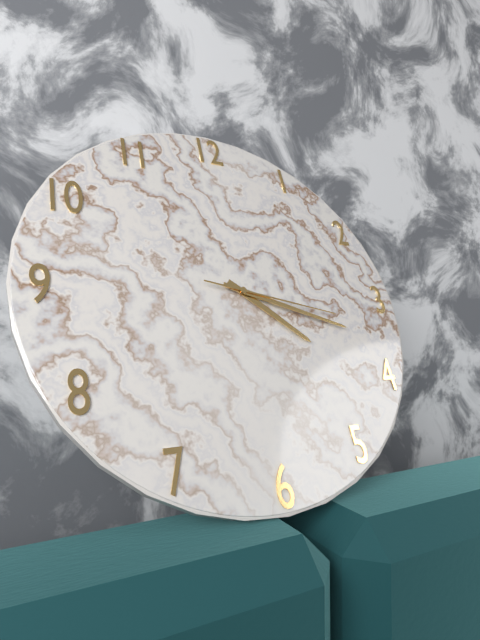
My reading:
**4:18:17**
